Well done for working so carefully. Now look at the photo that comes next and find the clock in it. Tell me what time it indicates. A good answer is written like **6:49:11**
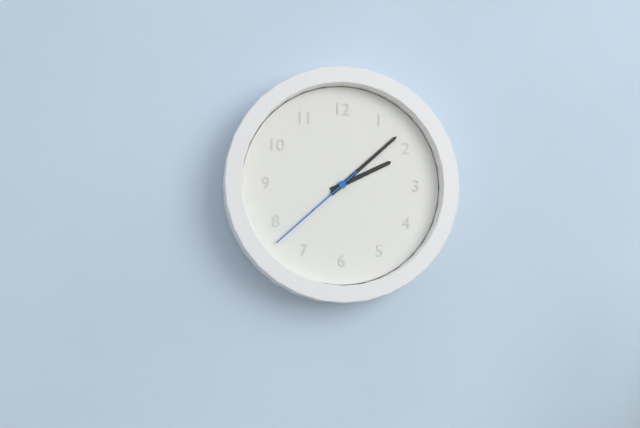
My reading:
**2:08:38**
